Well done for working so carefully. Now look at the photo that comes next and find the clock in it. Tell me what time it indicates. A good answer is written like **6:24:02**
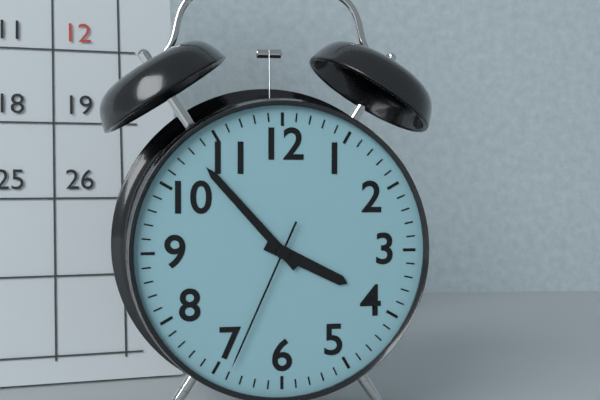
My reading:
**3:53:34**
